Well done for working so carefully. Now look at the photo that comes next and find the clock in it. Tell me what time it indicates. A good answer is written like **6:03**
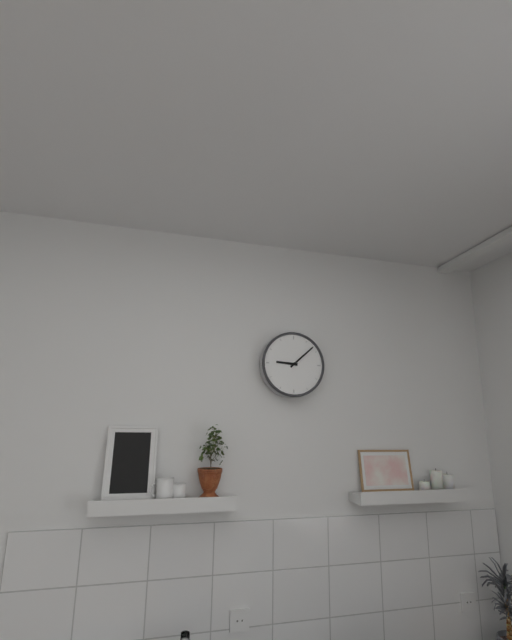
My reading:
**9:08**
